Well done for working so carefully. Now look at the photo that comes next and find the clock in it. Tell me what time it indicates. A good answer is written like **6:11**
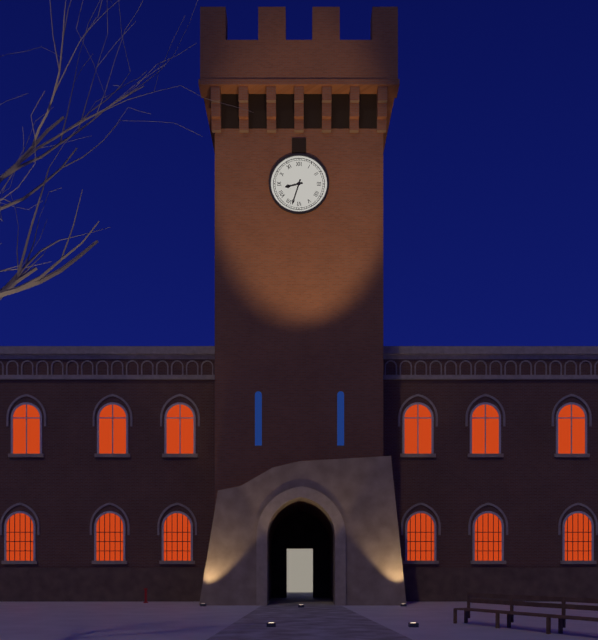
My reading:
**8:33**
